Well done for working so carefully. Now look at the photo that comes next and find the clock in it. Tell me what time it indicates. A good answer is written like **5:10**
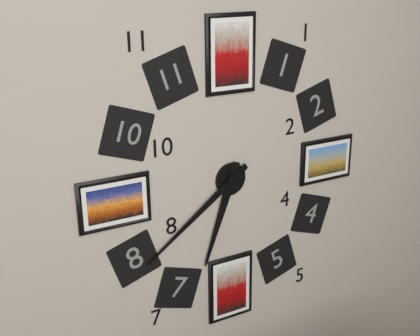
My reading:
**6:39**
